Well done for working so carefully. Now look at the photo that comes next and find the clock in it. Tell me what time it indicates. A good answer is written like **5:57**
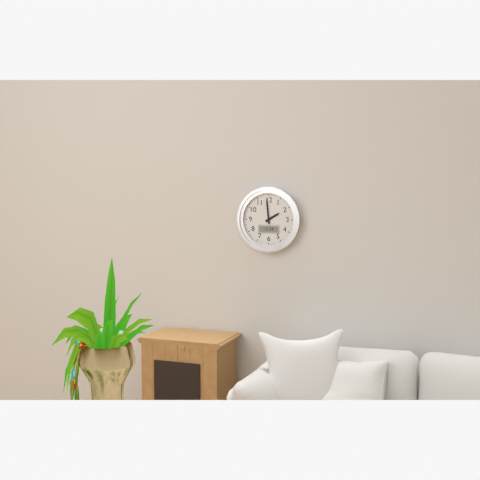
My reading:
**1:59**
